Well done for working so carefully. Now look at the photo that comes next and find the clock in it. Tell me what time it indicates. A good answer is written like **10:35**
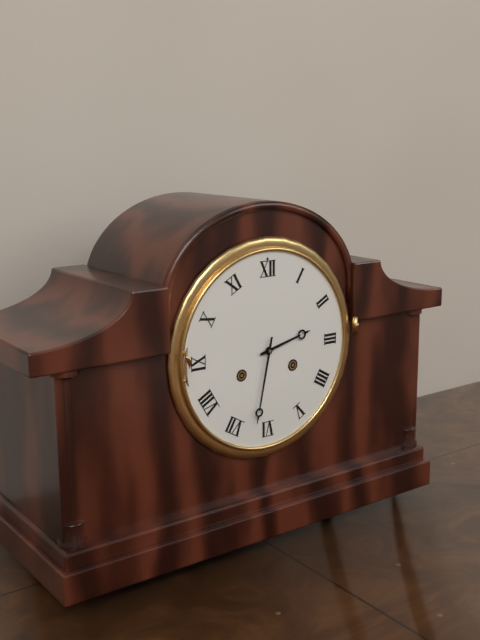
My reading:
**2:32**
